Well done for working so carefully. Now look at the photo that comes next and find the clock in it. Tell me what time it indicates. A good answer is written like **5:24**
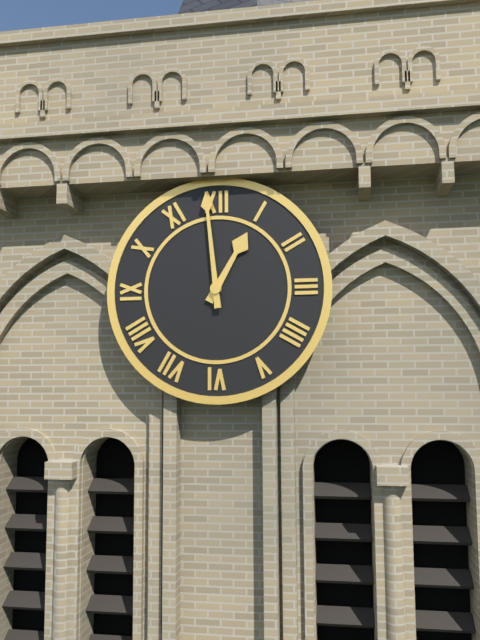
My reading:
**12:59**
